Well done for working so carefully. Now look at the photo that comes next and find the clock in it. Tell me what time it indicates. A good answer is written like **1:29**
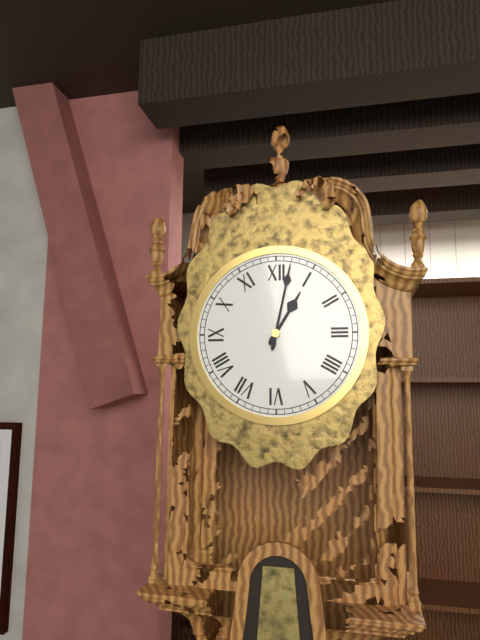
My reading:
**1:02**
